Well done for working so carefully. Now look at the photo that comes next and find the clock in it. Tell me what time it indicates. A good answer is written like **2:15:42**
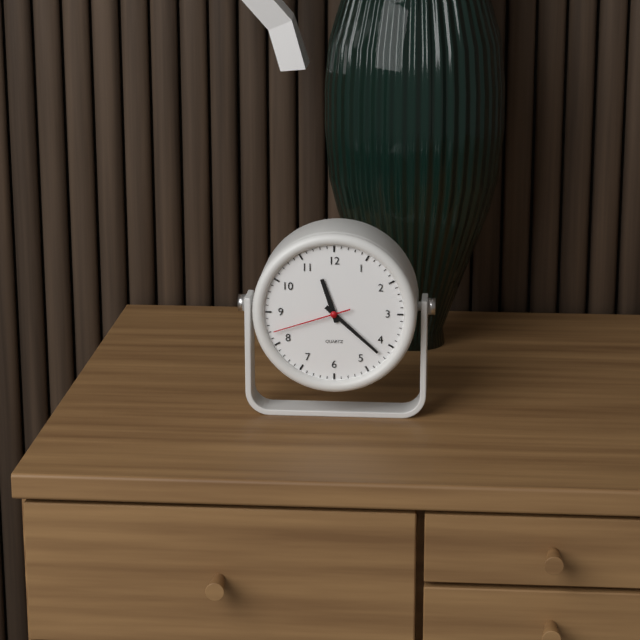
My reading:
**11:22:42**
